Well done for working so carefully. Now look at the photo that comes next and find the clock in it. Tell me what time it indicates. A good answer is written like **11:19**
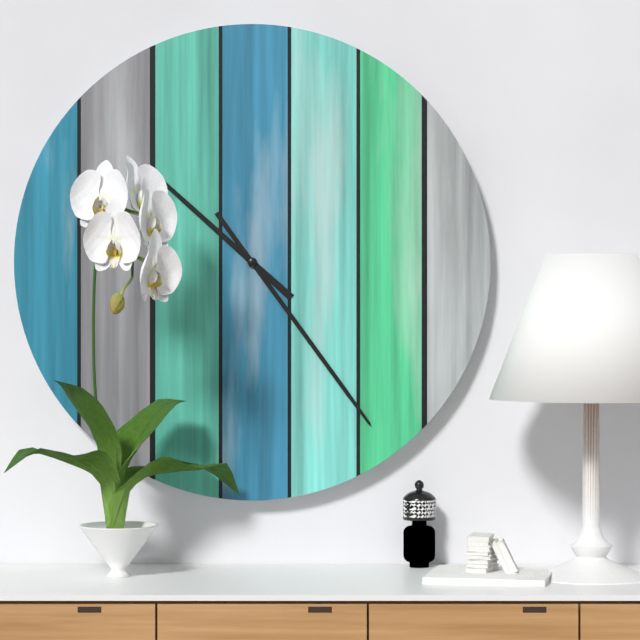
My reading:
**10:24**
